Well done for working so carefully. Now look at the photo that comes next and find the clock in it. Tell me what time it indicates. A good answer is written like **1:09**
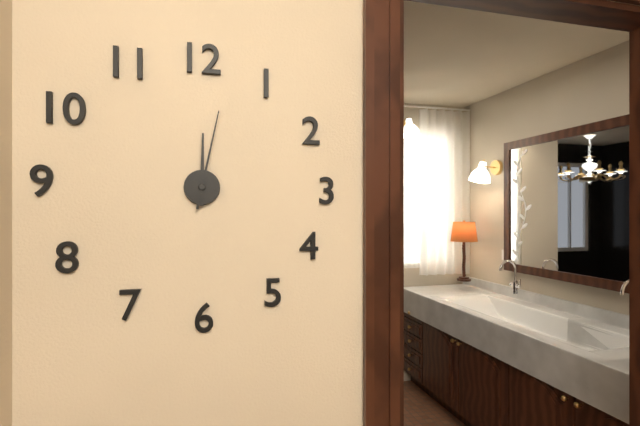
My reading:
**12:02**
